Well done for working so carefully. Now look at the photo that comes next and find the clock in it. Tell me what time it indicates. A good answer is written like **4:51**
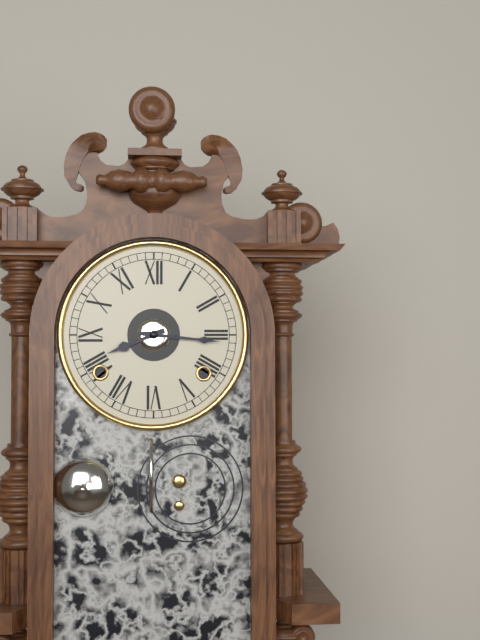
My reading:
**8:16**
